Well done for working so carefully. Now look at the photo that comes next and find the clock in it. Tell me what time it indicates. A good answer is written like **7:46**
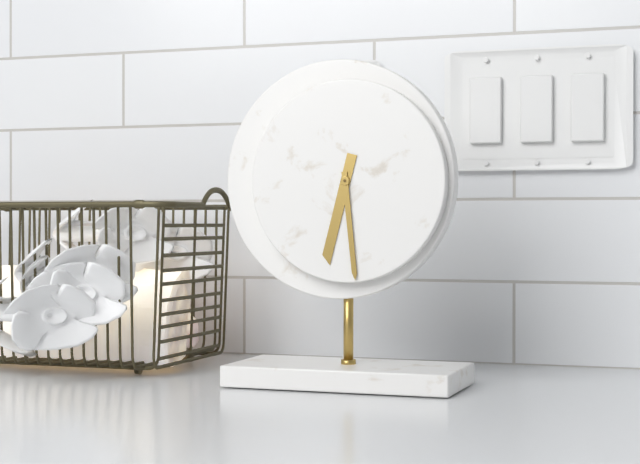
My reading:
**6:29**
